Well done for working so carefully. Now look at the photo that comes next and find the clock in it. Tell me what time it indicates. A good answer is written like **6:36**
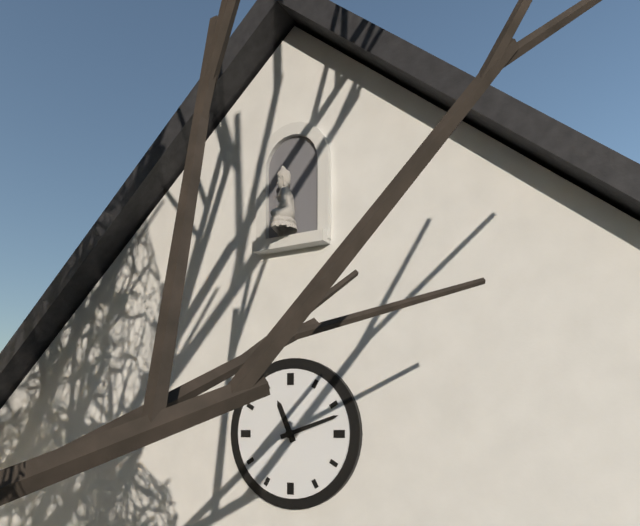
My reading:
**11:12**
